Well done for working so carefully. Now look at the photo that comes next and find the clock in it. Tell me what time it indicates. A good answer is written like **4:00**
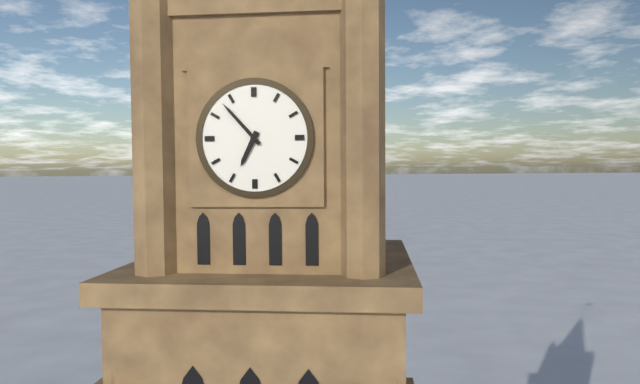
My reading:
**6:53**
